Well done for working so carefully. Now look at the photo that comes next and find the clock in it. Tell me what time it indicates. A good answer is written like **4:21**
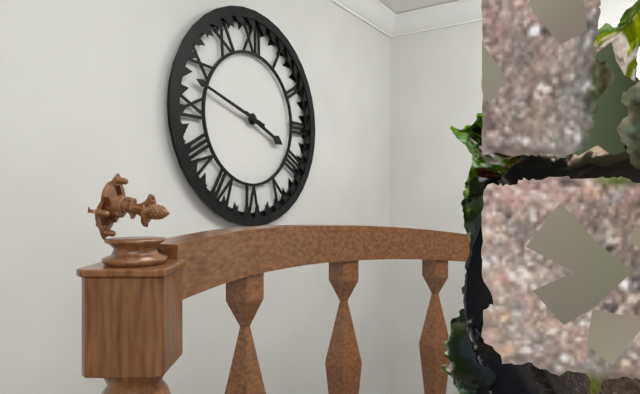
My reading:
**3:48**
